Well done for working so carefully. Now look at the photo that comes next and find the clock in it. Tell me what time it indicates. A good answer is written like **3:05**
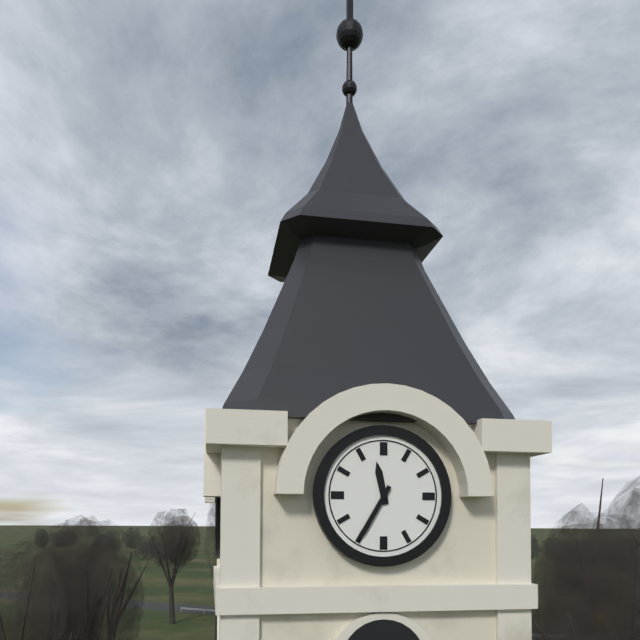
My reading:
**11:35**
